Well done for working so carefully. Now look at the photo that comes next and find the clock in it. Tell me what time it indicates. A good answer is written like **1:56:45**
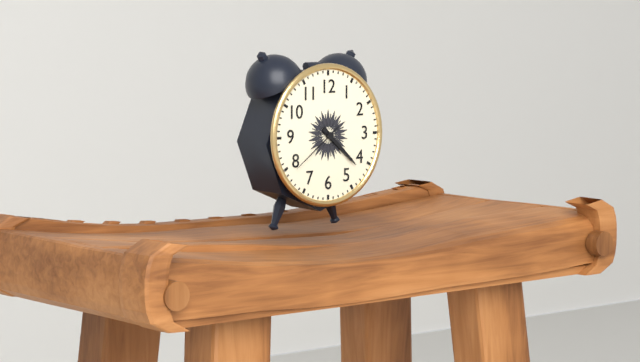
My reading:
**4:22:39**
